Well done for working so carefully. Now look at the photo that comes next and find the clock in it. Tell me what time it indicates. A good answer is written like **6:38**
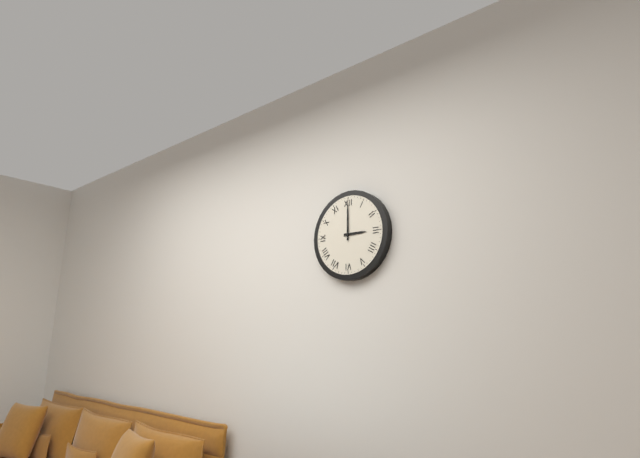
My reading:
**3:00**
